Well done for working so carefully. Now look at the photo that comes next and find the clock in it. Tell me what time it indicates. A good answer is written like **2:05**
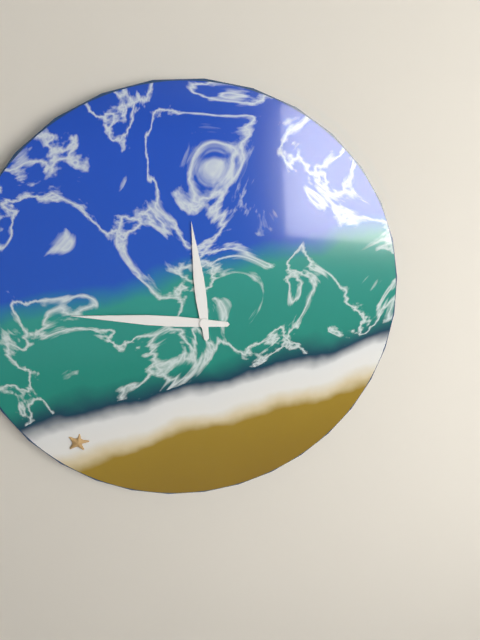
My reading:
**11:46**
